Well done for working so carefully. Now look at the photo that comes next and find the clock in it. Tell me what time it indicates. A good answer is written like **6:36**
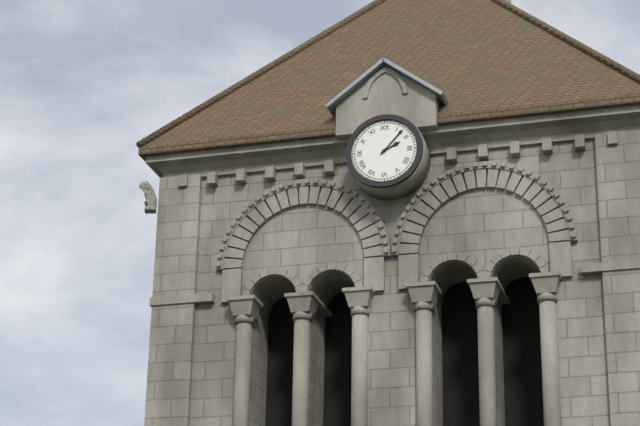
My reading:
**2:07**
